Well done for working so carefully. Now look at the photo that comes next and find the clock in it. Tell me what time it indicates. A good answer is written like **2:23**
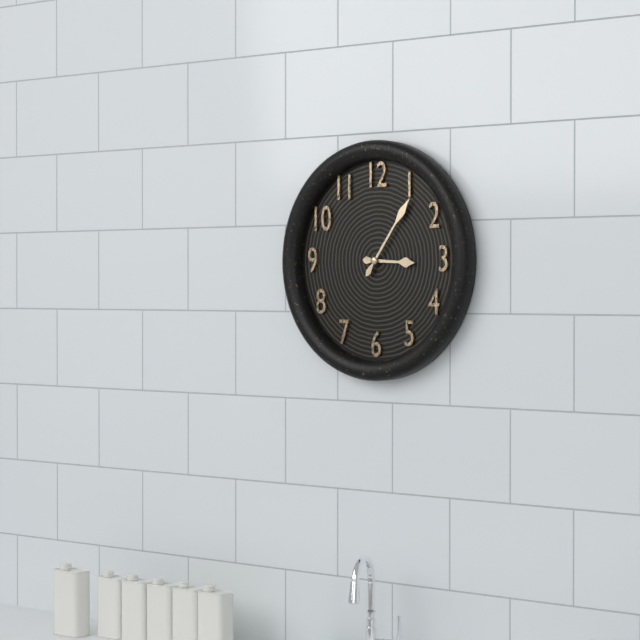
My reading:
**3:06**
